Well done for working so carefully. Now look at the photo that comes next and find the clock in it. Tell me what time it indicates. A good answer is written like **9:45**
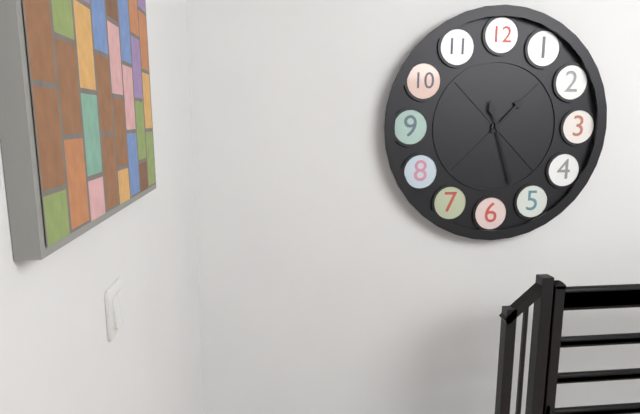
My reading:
**1:27**
